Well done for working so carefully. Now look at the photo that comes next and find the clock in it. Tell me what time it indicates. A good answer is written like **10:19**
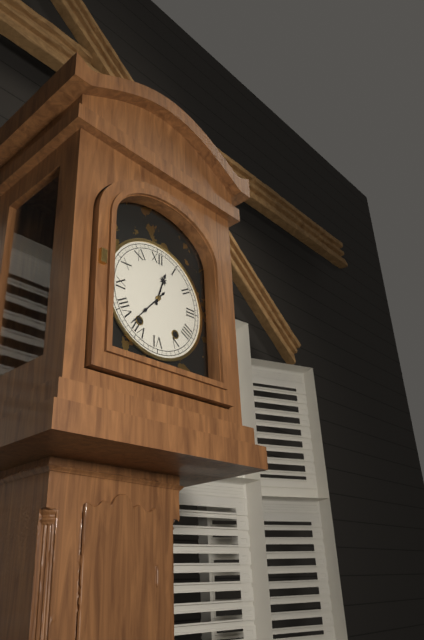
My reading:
**12:37**
